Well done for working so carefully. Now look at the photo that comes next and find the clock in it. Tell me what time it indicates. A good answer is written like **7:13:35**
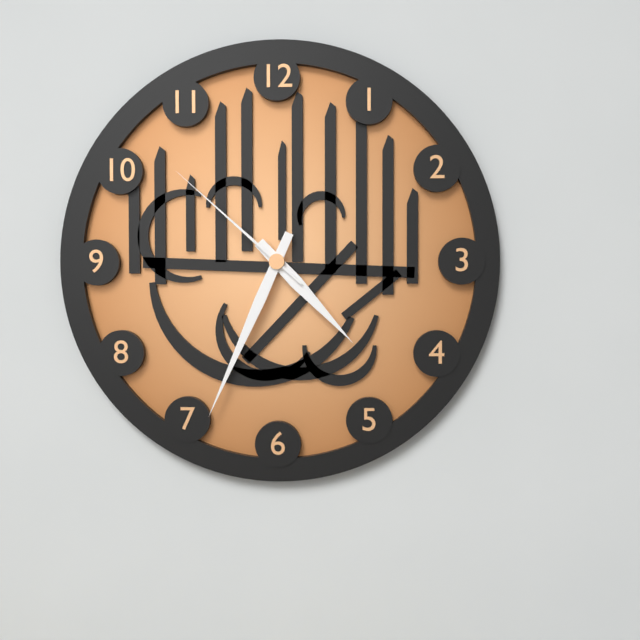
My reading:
**4:34:52**
